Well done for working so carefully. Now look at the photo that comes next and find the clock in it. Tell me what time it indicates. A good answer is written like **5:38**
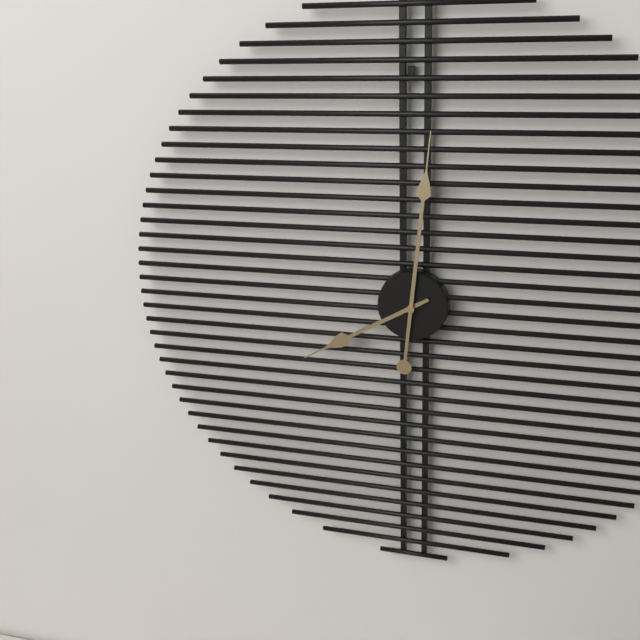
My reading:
**8:01**
